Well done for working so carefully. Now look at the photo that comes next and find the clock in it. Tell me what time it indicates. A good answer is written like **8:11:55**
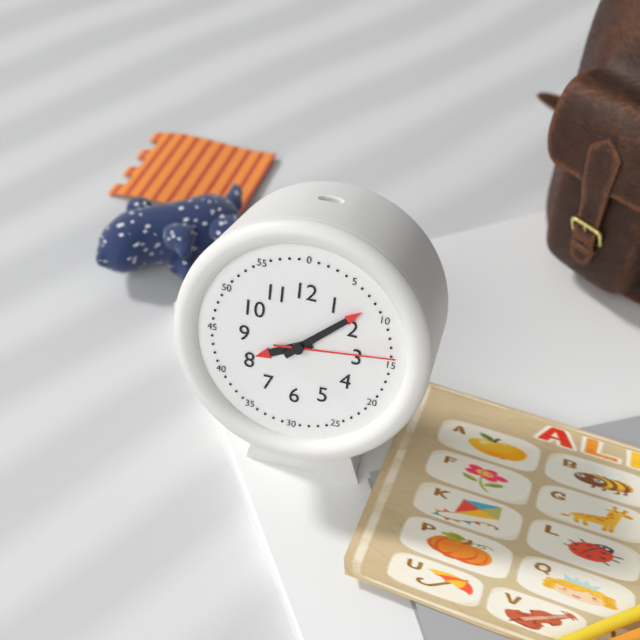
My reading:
**8:08:14**
